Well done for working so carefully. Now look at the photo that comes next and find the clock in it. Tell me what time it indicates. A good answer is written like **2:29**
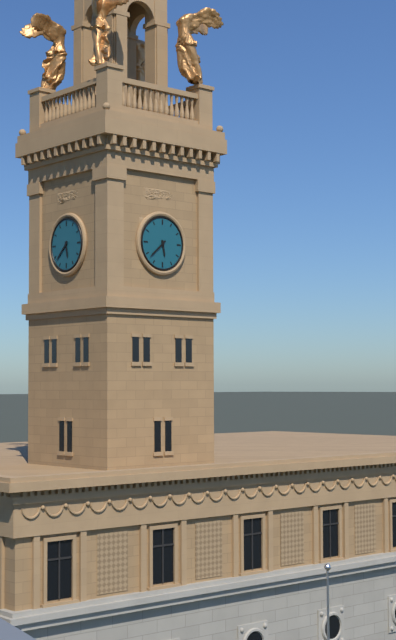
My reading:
**5:38**
